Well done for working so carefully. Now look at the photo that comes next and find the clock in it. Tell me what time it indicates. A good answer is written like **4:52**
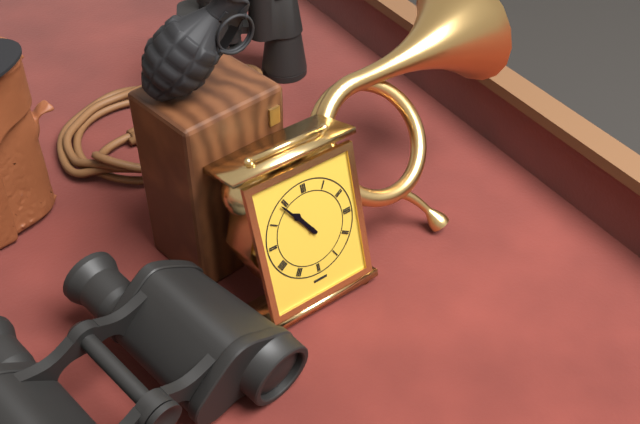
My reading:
**10:54**
